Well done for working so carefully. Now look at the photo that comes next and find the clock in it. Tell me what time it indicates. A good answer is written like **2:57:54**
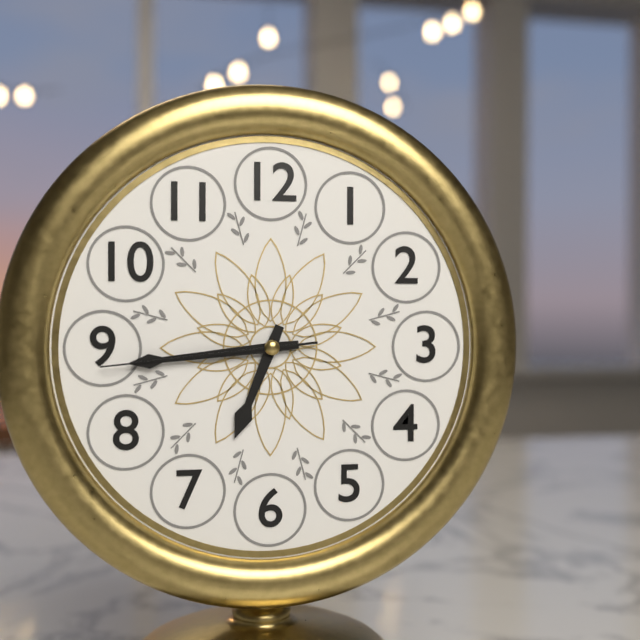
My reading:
**6:44:44**
